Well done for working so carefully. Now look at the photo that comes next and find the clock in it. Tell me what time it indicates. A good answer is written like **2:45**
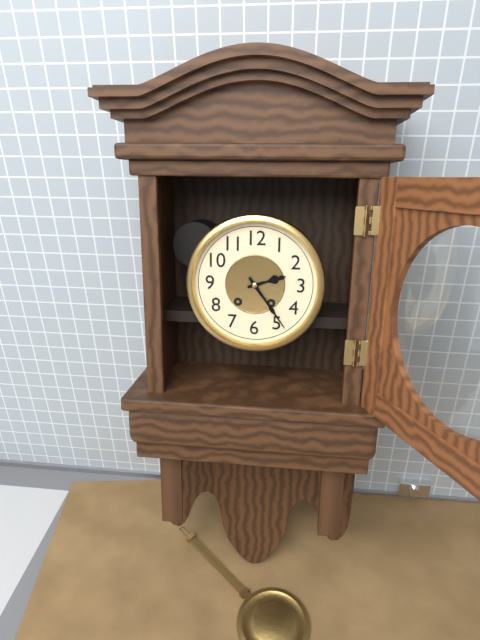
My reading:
**2:24**
